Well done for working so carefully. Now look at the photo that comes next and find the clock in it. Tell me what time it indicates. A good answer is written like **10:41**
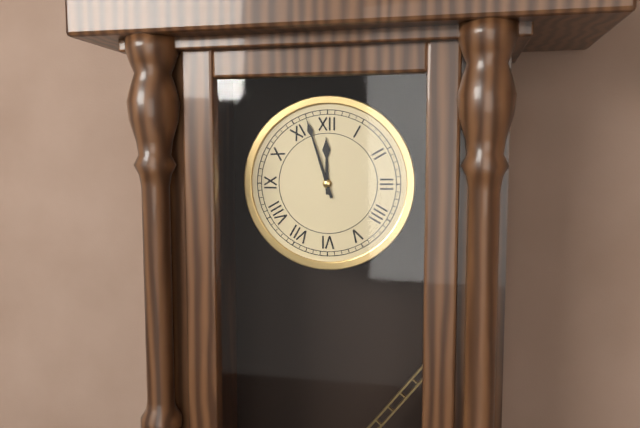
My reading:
**11:57**
